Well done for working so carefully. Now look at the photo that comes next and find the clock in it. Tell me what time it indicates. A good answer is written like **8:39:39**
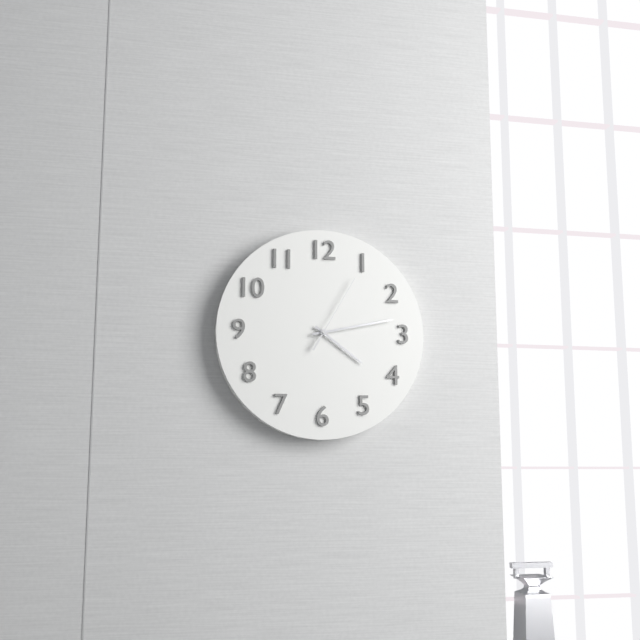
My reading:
**4:13:05**
